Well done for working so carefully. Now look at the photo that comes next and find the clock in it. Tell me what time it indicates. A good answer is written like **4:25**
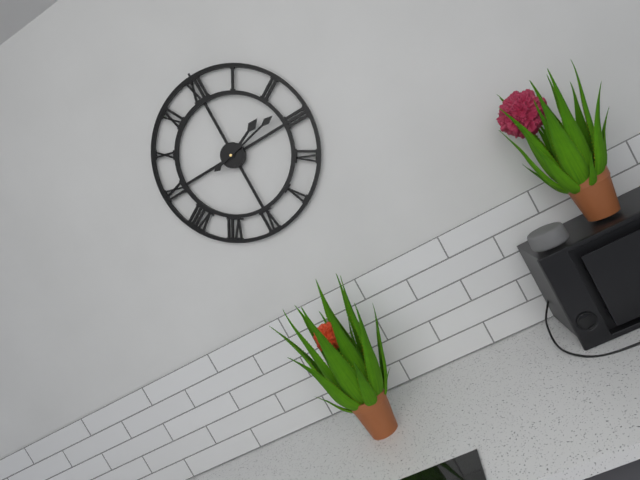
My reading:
**2:13**
